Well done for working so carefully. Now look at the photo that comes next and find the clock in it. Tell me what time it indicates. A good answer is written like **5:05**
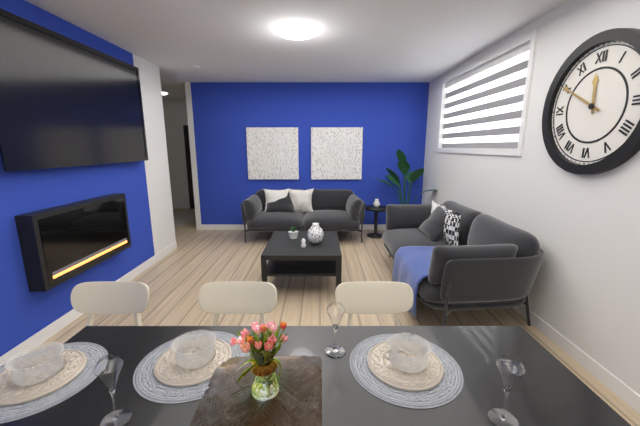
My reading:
**11:50**
